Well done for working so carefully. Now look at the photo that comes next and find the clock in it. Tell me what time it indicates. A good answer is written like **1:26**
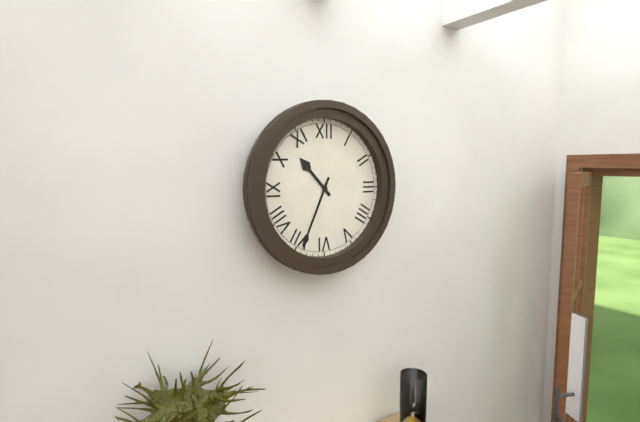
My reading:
**10:34**
